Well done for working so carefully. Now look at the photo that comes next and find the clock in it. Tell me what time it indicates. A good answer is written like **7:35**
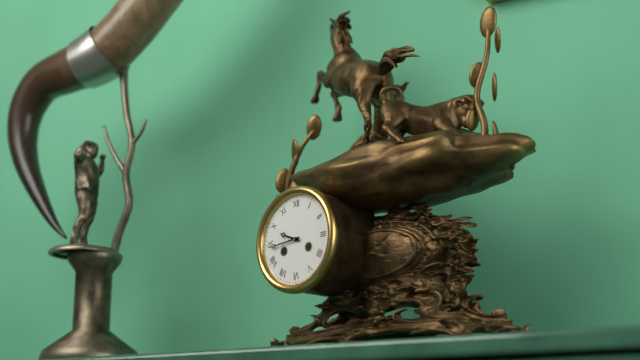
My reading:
**9:44**
